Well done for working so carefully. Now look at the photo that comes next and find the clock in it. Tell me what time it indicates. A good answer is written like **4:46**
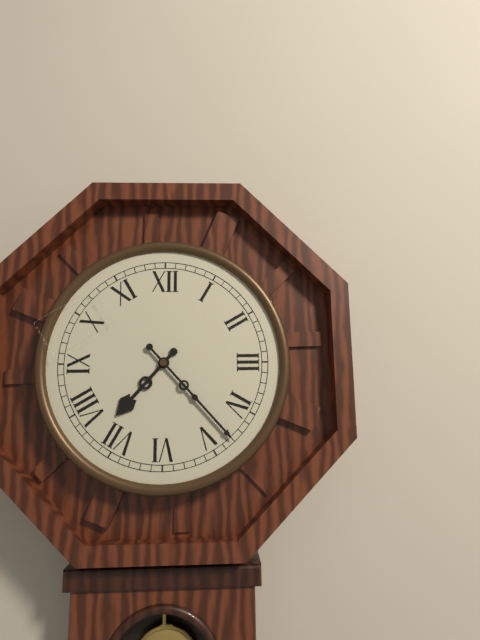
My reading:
**7:23**
